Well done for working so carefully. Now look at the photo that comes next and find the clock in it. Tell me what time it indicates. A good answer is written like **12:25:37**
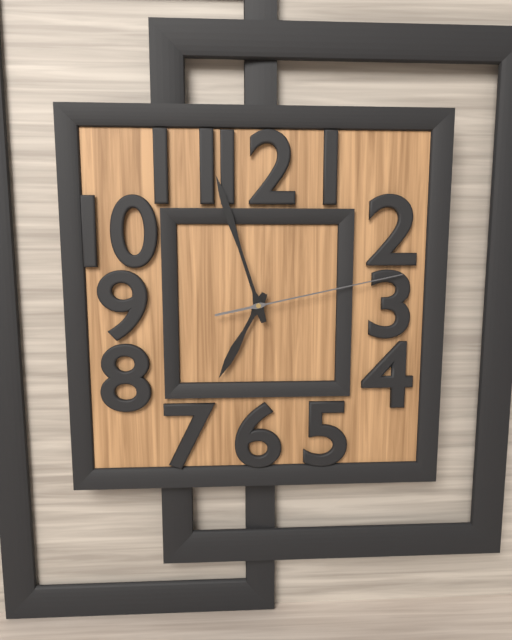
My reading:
**6:57:13**
